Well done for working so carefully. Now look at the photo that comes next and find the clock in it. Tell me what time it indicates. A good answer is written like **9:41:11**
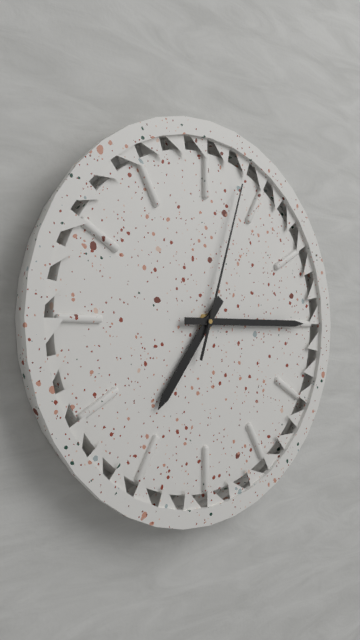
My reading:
**7:15:03**
